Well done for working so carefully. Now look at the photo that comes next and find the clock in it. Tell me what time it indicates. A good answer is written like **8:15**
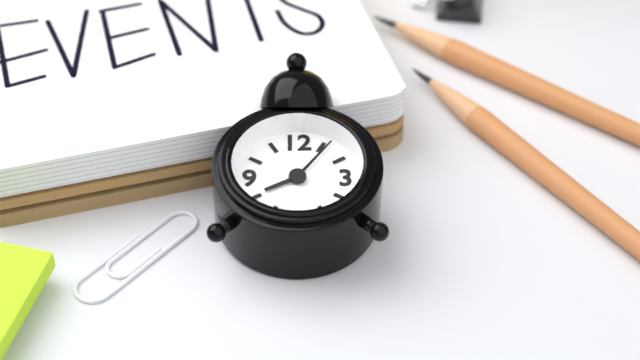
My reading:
**8:06**
